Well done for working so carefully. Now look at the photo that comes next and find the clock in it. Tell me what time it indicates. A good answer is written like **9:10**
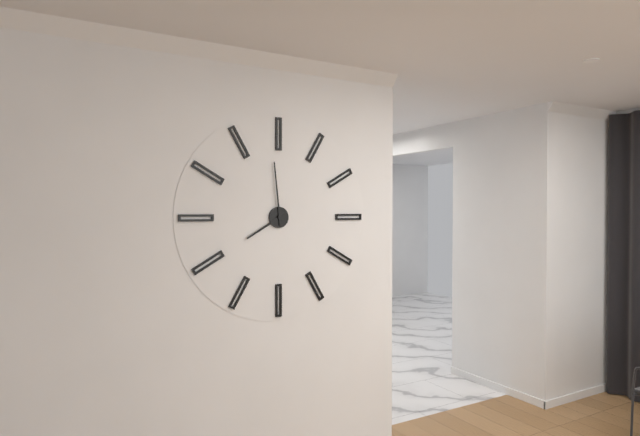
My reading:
**7:59**
